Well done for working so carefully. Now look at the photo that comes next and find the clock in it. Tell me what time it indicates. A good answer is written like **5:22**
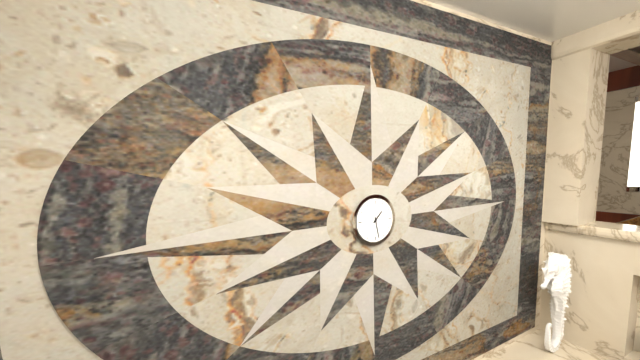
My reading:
**1:28**
